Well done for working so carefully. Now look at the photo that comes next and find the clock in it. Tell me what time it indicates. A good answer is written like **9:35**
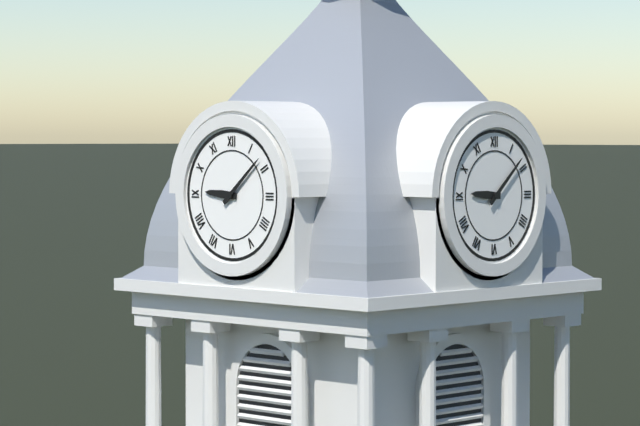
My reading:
**9:08**
